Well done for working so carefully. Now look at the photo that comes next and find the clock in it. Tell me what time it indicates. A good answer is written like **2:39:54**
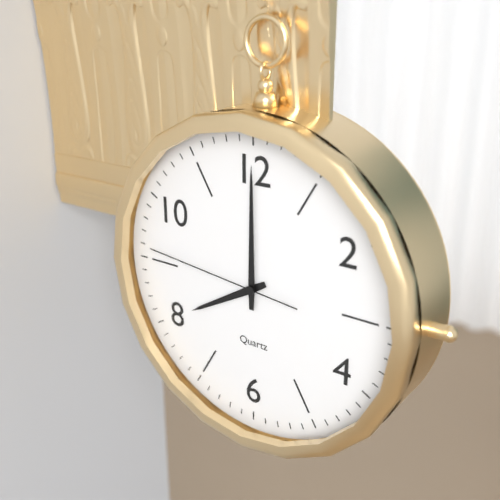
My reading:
**8:00:46**
